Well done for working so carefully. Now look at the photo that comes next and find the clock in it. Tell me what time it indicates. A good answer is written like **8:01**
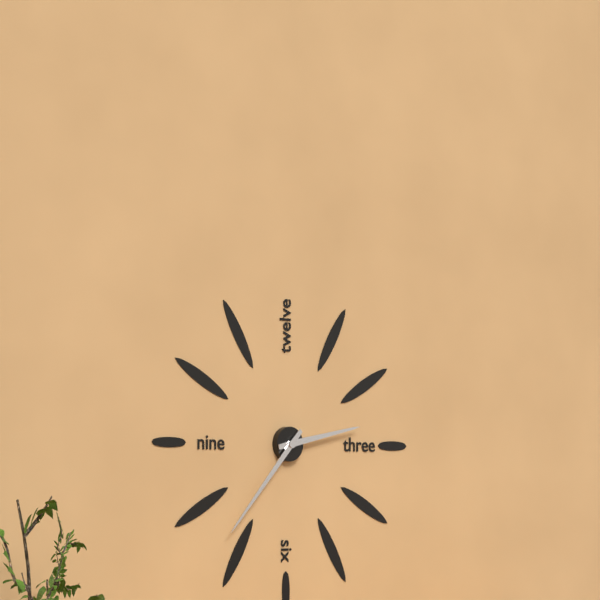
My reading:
**2:37**
